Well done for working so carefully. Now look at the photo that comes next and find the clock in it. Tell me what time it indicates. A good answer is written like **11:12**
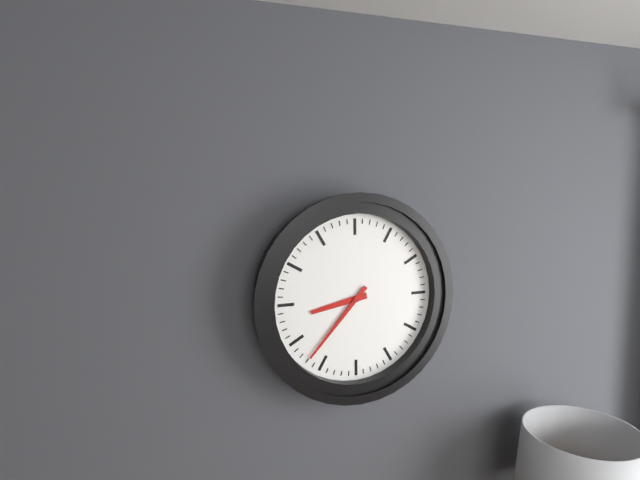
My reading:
**8:37**
